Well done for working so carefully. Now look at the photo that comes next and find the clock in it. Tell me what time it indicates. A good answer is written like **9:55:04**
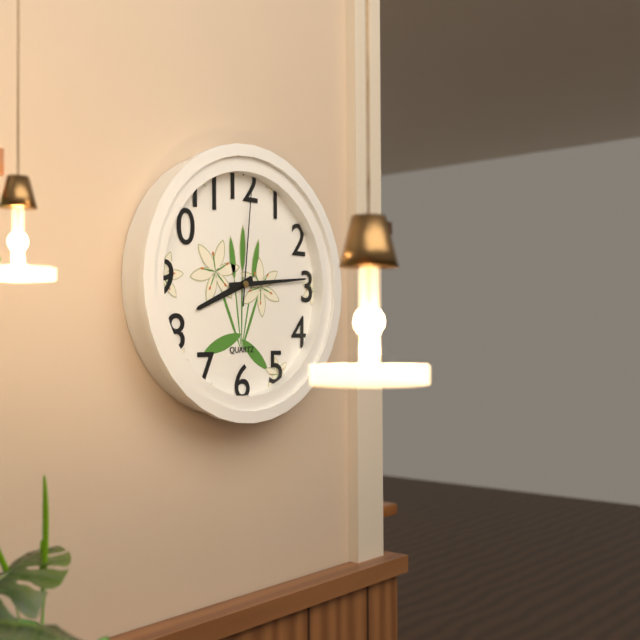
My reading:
**8:14:01**
